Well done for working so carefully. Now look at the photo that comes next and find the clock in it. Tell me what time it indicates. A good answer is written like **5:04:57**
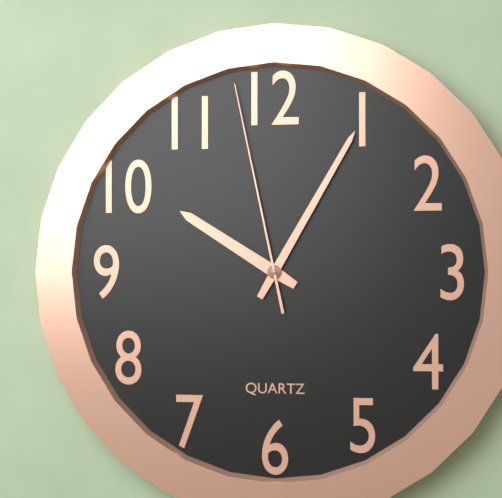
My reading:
**10:05:58**
